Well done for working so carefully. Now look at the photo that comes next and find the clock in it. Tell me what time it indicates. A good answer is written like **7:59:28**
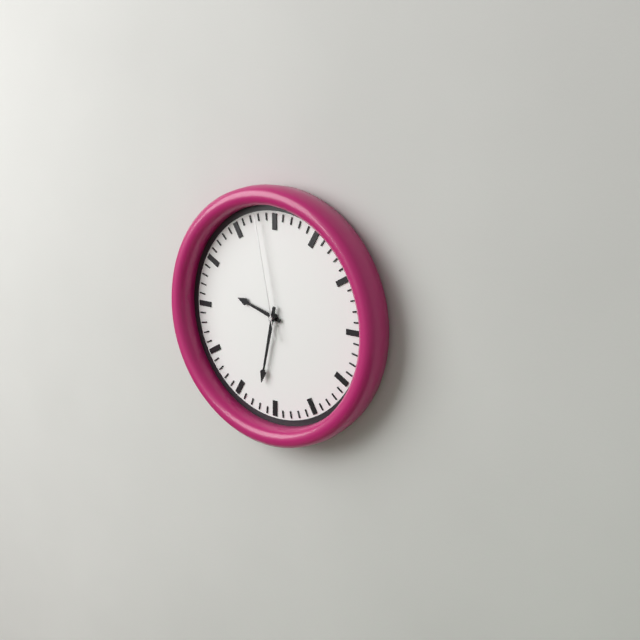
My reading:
**9:32:58**
